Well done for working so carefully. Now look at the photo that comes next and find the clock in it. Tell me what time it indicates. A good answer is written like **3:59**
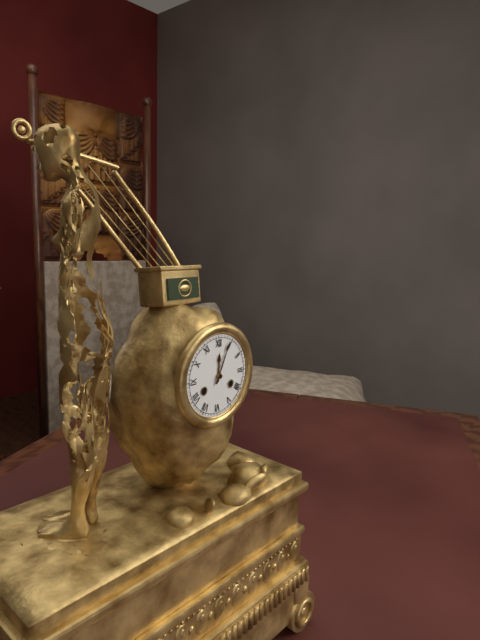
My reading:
**12:04**
